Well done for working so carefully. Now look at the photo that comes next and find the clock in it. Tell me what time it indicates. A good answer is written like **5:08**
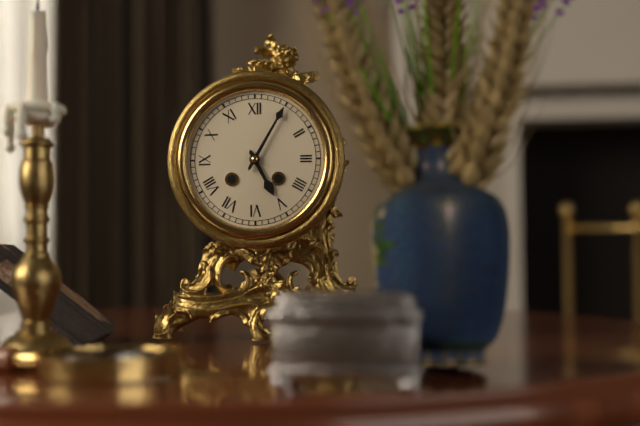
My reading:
**5:05**
